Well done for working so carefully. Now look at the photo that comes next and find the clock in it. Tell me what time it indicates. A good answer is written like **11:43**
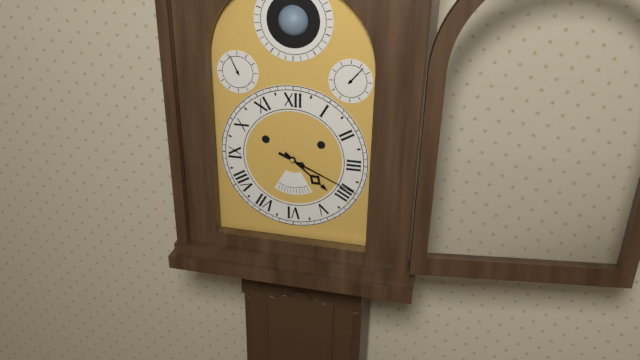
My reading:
**4:19**
